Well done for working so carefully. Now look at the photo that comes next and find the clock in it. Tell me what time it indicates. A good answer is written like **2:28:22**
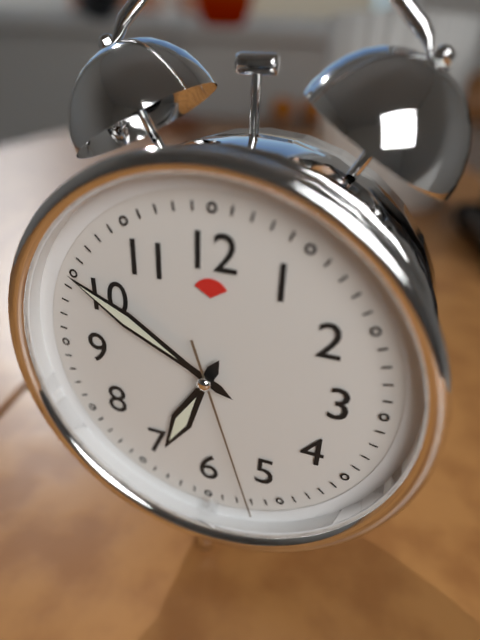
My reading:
**6:50:27**
